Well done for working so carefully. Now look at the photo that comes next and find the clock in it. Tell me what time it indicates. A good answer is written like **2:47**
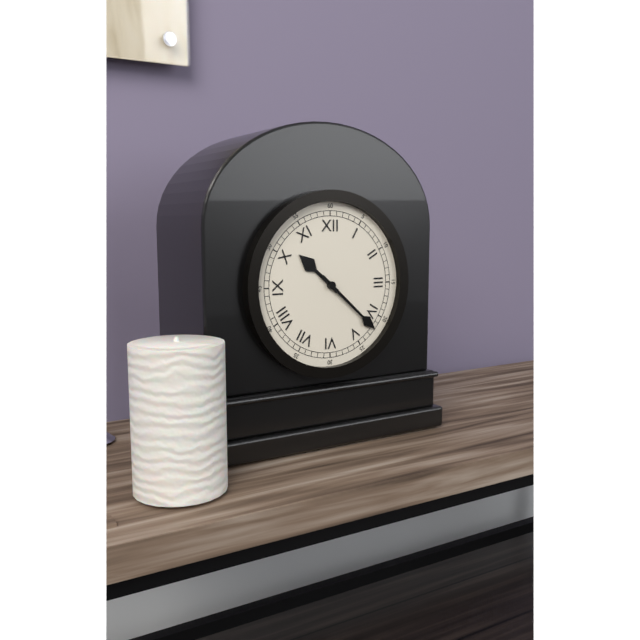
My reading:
**10:22**
